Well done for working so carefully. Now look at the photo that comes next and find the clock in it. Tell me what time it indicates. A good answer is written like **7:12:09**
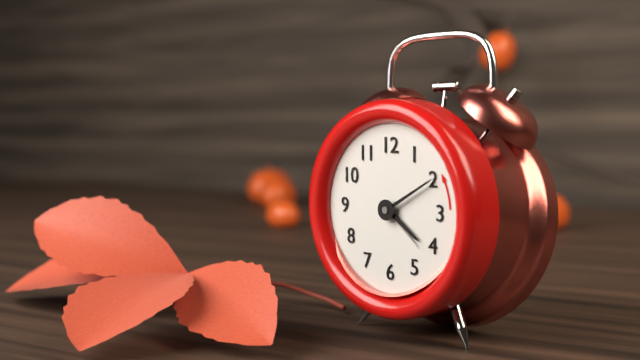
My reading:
**4:10:22**
